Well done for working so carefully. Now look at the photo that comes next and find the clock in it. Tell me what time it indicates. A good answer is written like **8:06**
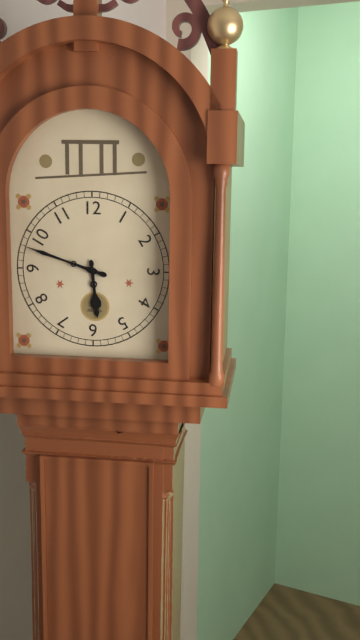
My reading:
**5:48**
